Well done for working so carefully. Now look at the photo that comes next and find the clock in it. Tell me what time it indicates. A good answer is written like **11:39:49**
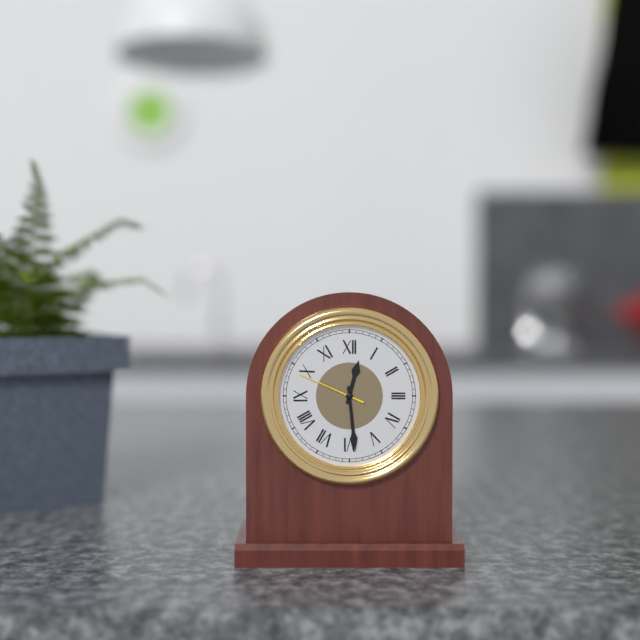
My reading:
**12:29:49**
